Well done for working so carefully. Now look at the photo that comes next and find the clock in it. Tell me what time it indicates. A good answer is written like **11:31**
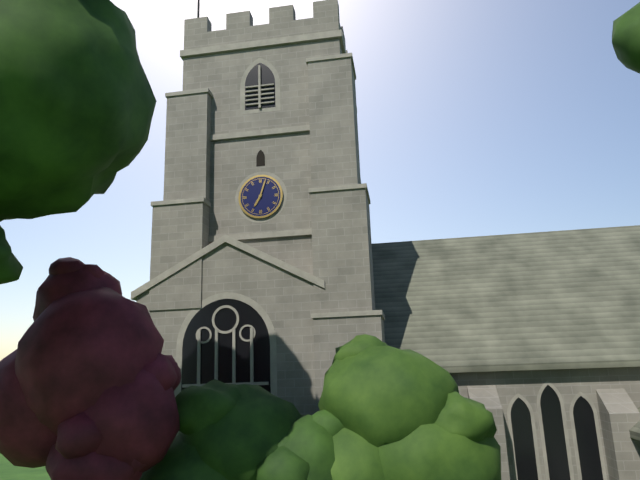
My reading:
**7:03**
